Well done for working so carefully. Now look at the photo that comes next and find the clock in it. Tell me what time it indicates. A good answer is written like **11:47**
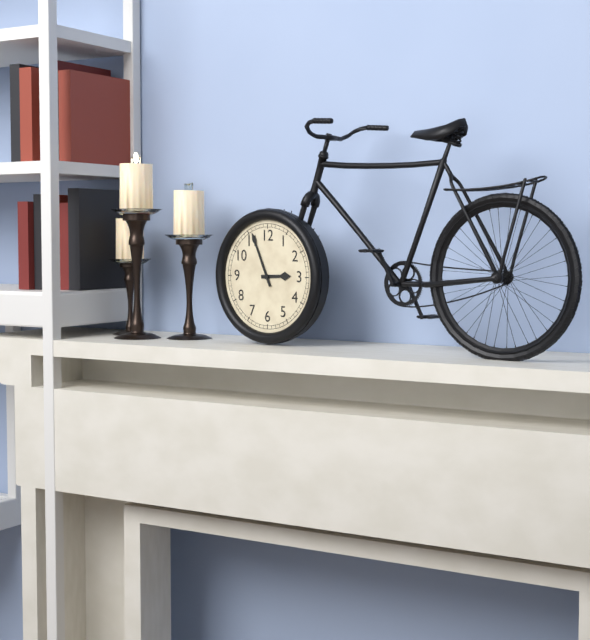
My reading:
**2:56**
